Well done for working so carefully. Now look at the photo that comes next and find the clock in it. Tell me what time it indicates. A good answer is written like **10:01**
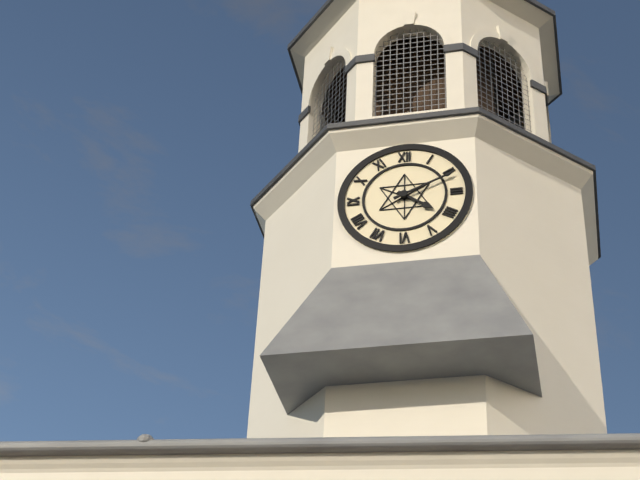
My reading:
**4:11**
